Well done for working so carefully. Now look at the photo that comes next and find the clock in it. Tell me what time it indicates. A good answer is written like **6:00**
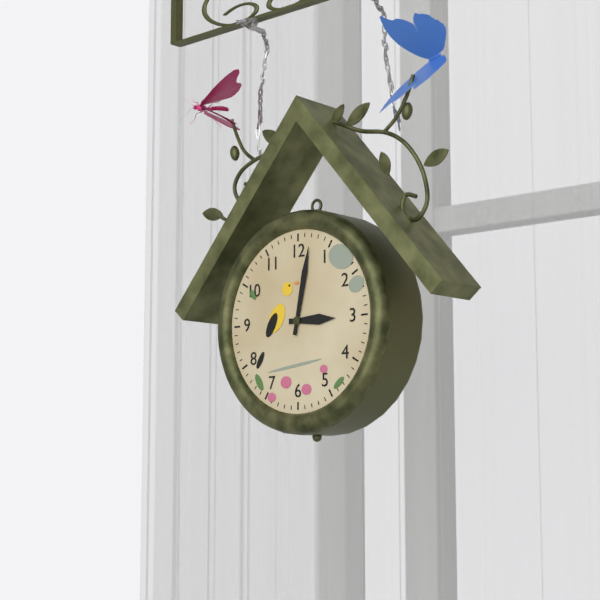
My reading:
**3:02**
